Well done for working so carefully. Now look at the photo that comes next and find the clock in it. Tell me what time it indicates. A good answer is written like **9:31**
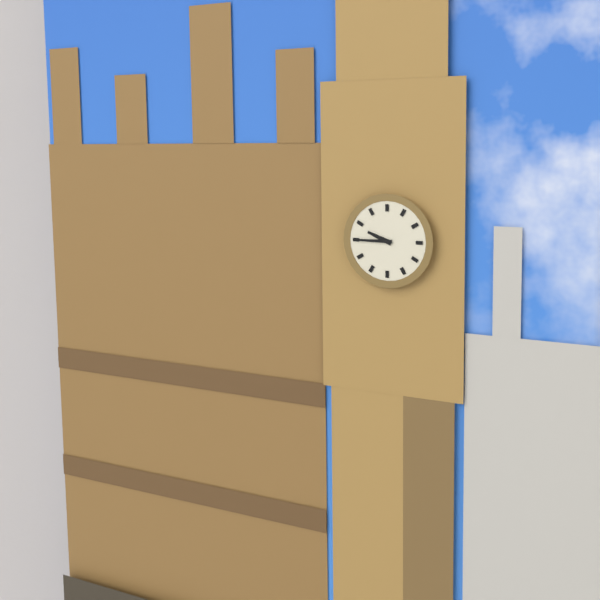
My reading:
**9:45**
